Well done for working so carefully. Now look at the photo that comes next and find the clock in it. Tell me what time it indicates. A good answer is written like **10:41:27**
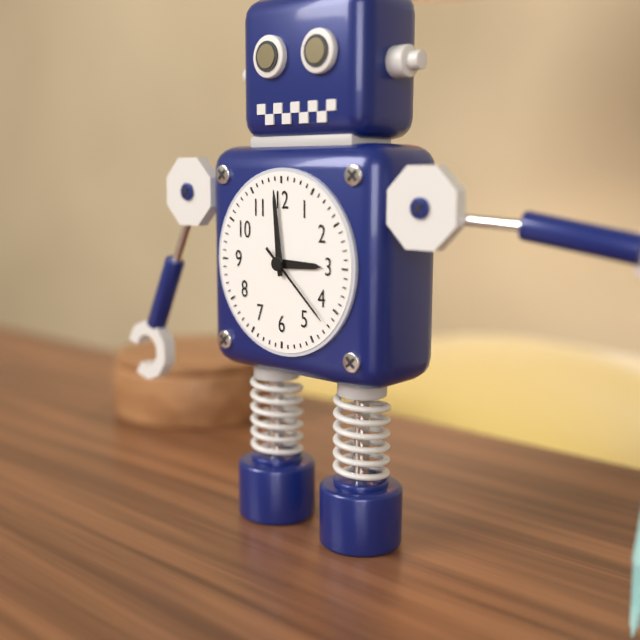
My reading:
**2:59:22**
